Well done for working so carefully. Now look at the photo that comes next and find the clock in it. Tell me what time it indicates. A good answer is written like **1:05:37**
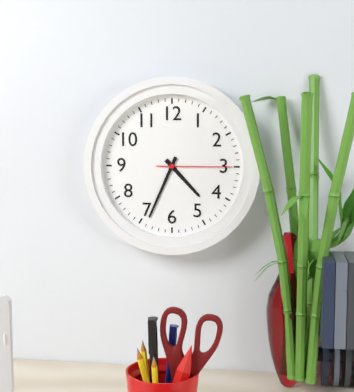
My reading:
**4:34:15**
